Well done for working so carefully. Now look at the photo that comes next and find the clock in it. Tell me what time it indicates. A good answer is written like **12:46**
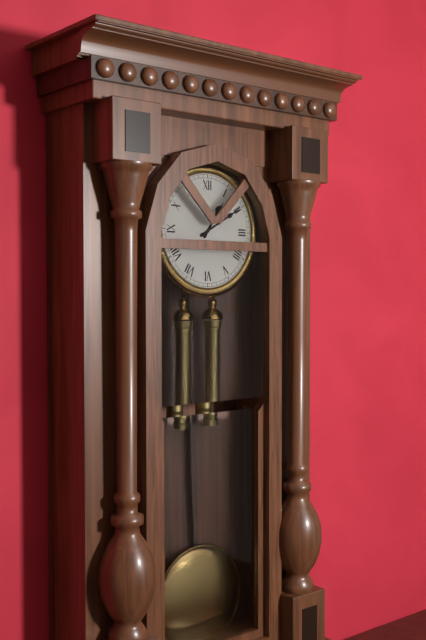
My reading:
**1:10**
